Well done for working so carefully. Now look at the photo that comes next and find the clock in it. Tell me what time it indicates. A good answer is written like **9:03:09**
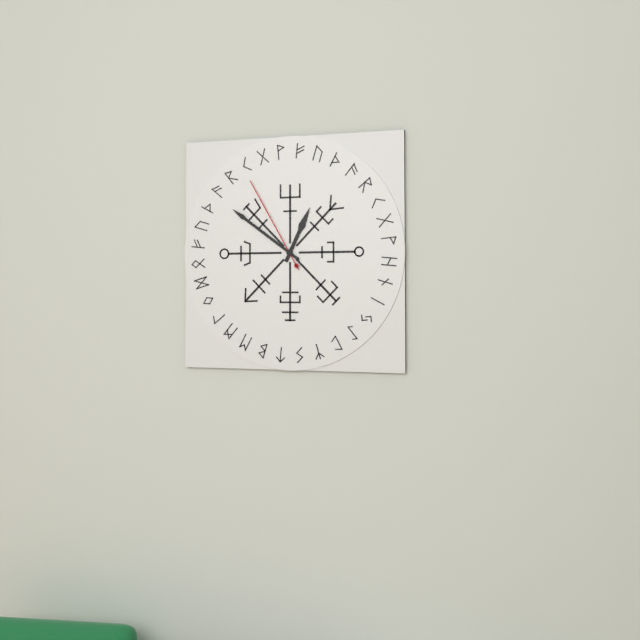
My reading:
**12:51:55**
